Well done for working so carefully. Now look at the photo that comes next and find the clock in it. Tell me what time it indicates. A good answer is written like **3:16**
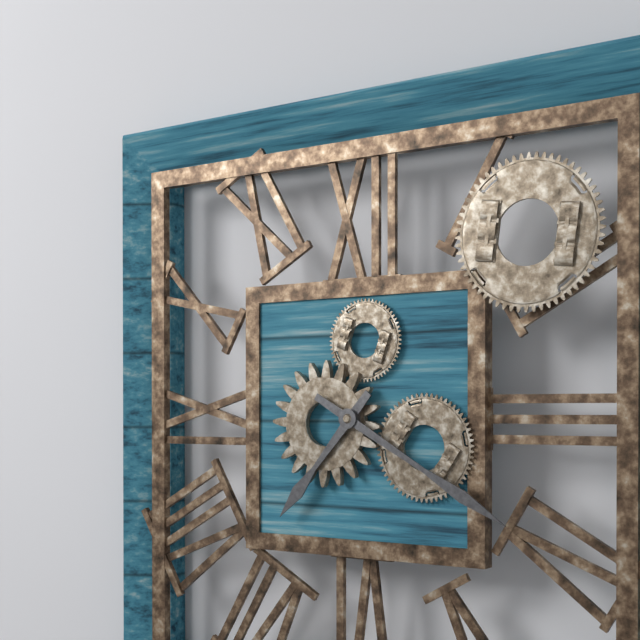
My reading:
**7:20**
